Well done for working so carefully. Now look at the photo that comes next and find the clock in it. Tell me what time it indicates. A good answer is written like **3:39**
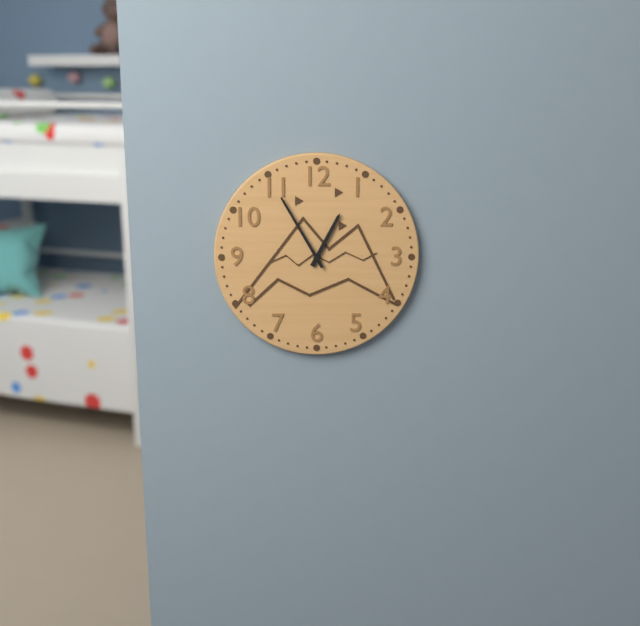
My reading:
**12:55**
